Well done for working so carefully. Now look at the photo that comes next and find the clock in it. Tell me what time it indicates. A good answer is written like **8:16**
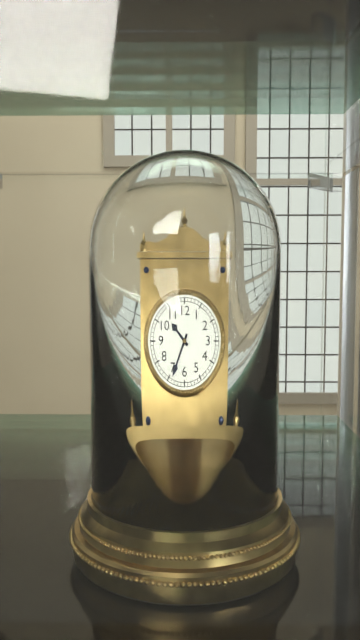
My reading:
**10:34**
